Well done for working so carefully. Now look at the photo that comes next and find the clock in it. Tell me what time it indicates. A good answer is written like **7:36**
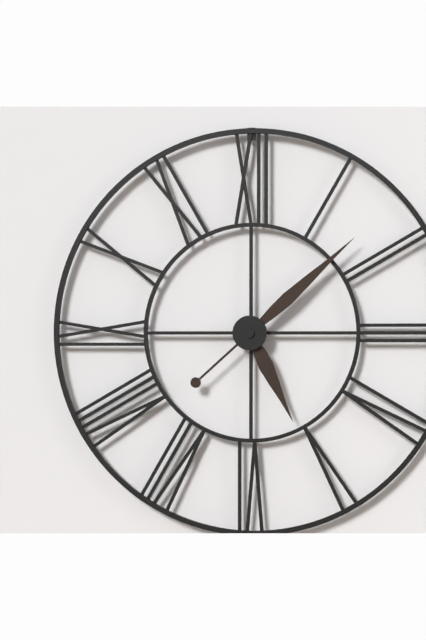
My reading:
**5:08**
